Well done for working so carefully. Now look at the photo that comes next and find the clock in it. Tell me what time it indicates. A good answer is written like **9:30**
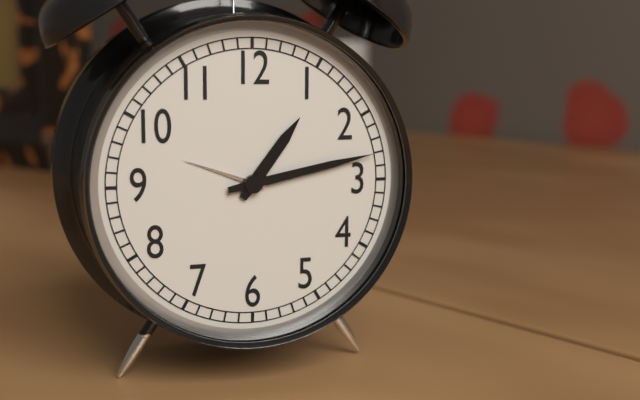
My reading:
**1:13**
